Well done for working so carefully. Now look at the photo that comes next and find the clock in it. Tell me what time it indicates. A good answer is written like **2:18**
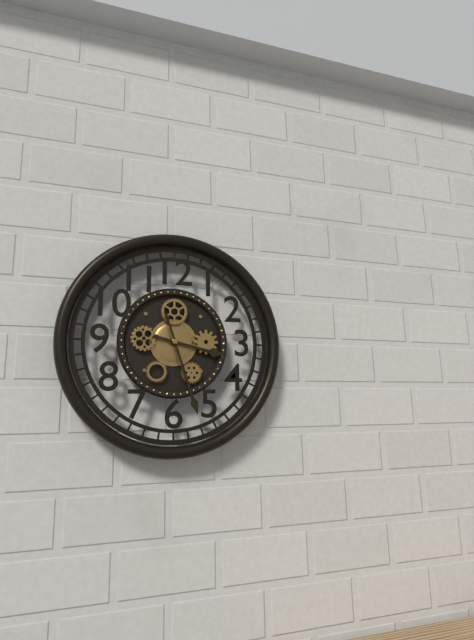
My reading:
**3:27**
